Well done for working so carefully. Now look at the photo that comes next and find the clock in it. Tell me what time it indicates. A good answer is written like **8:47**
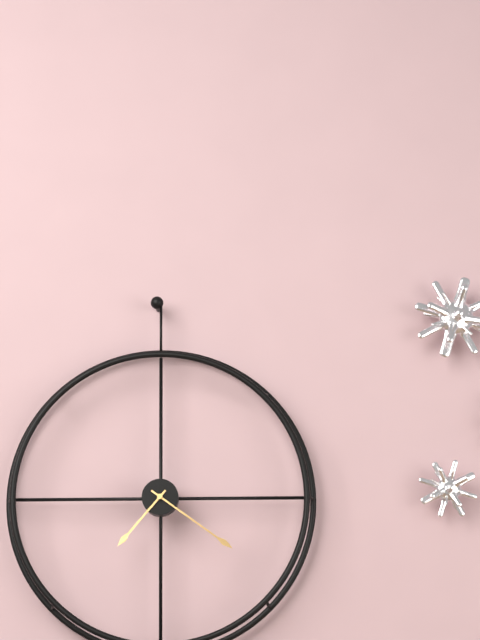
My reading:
**7:21**
